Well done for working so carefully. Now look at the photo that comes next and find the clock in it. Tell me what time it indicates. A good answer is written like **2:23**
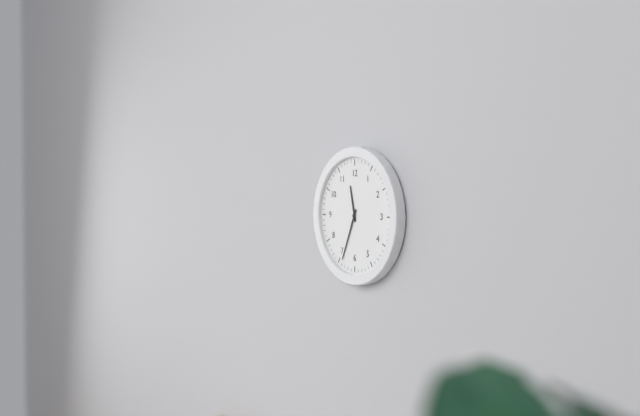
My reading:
**11:34**
